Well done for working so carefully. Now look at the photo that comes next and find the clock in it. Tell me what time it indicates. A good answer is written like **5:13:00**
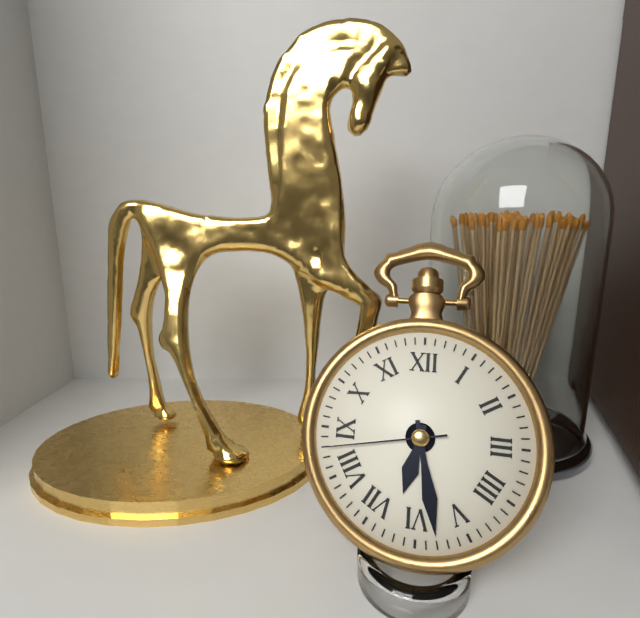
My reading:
**6:28:43**
